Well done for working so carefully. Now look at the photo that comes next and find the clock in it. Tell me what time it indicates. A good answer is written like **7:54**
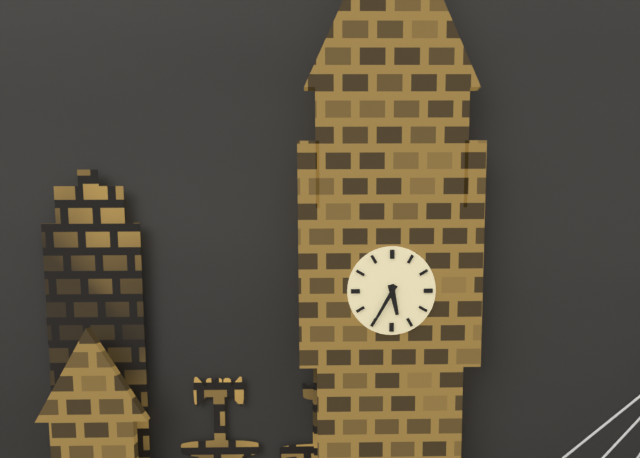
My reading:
**5:35**
